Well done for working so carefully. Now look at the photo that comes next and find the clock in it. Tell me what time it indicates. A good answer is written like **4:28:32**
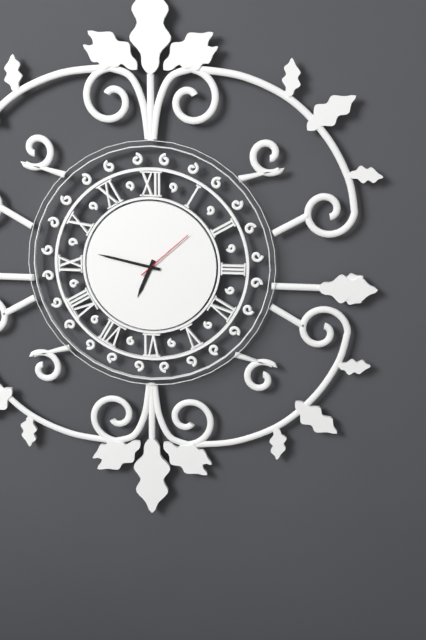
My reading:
**6:47:08**
